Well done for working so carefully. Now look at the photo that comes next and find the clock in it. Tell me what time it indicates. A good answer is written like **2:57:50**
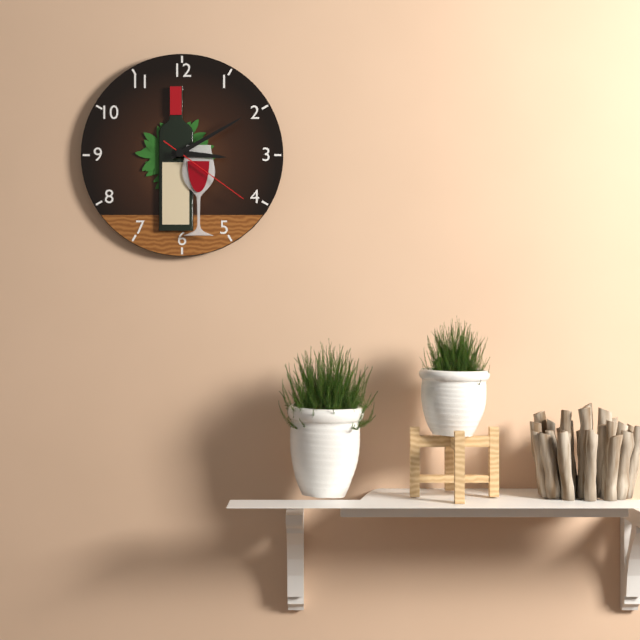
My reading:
**3:10:21**
